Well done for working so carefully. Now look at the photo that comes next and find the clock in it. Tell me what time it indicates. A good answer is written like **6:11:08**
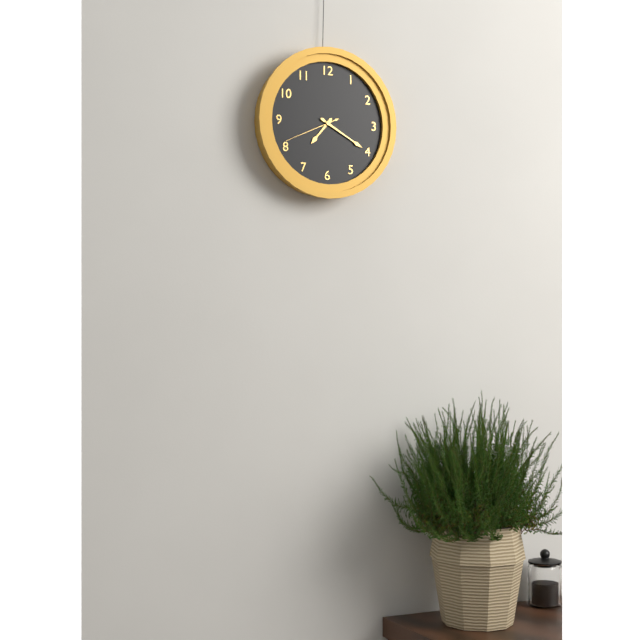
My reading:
**7:20:41**
